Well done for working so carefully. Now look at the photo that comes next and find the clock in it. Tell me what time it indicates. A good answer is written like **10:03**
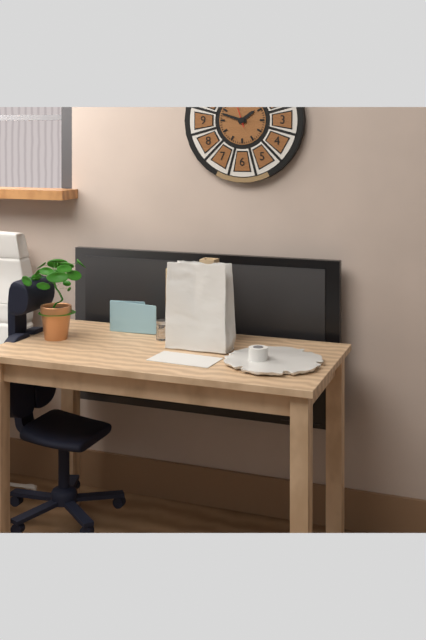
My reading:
**1:48**
